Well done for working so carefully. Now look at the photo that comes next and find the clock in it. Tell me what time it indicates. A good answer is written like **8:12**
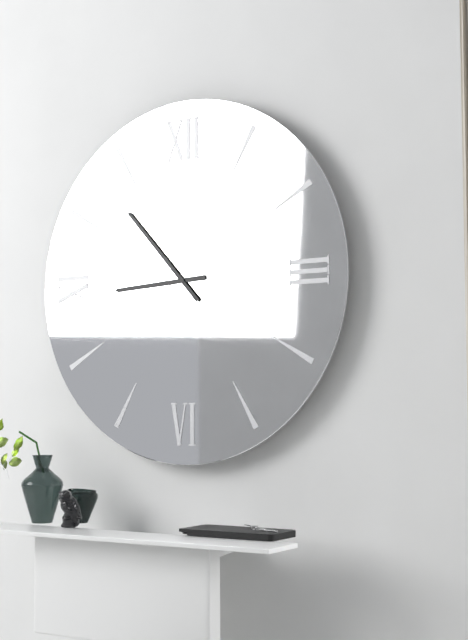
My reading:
**8:53**
